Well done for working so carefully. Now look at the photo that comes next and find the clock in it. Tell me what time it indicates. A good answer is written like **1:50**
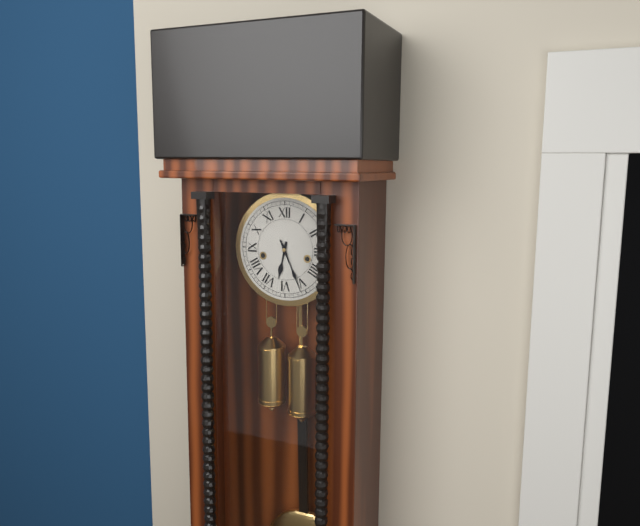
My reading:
**6:26**
